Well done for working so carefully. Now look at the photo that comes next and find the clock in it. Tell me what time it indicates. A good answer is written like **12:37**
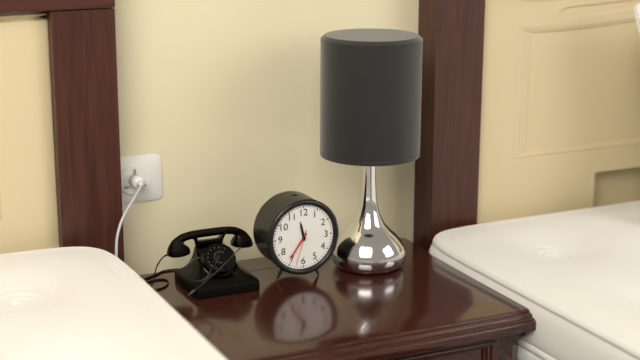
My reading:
**11:36**
